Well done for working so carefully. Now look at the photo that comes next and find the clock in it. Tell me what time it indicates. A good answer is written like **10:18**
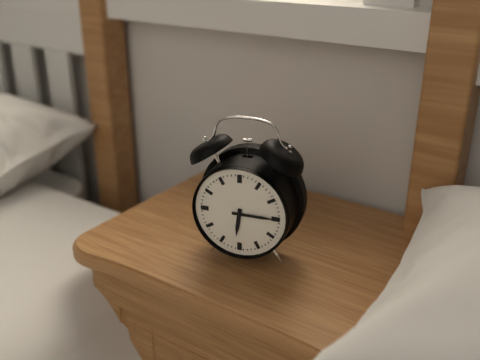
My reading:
**6:15**
